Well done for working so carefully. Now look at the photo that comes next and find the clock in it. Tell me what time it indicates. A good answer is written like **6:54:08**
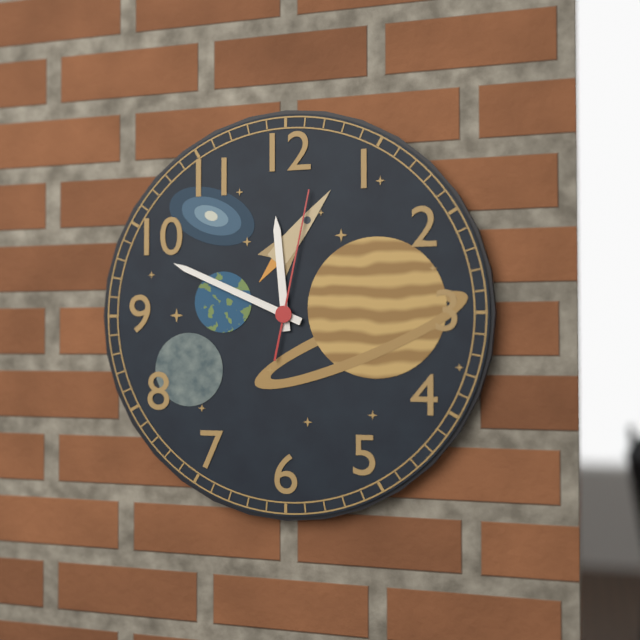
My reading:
**11:49:02**
